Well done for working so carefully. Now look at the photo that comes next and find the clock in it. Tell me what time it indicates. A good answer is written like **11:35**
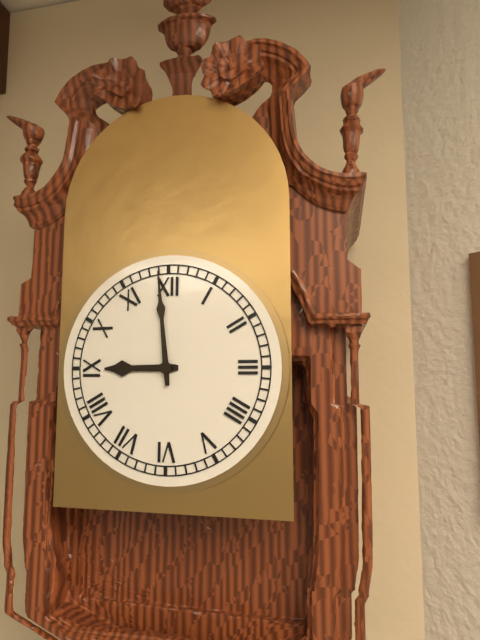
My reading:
**8:59**
